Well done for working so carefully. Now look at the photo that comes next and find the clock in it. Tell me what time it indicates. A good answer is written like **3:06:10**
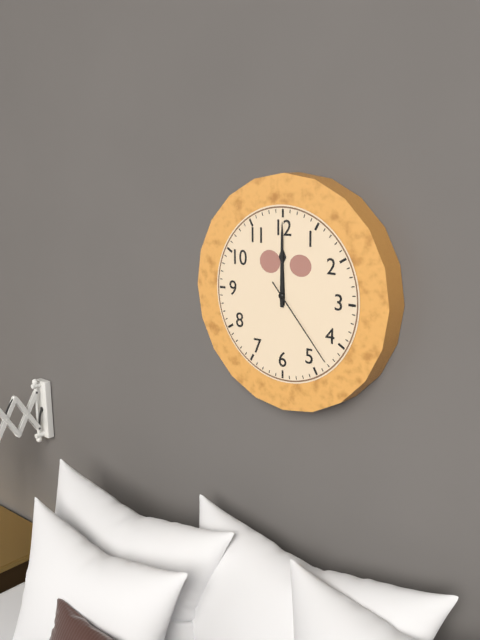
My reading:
**12:00:23**
